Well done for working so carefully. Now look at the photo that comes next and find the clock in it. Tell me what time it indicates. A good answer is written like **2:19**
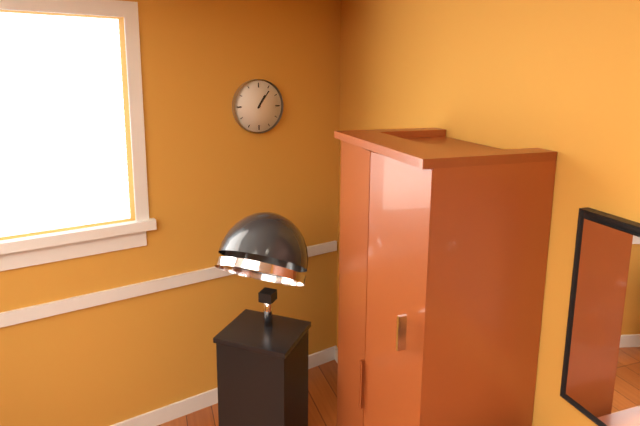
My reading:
**1:06**
